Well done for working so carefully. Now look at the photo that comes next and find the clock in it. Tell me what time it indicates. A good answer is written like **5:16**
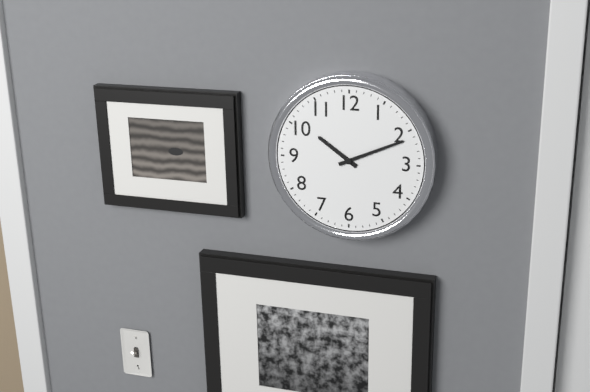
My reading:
**10:11**
